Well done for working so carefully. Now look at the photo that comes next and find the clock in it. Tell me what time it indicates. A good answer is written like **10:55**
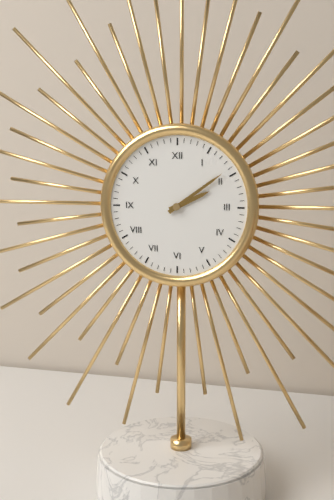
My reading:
**2:09**
